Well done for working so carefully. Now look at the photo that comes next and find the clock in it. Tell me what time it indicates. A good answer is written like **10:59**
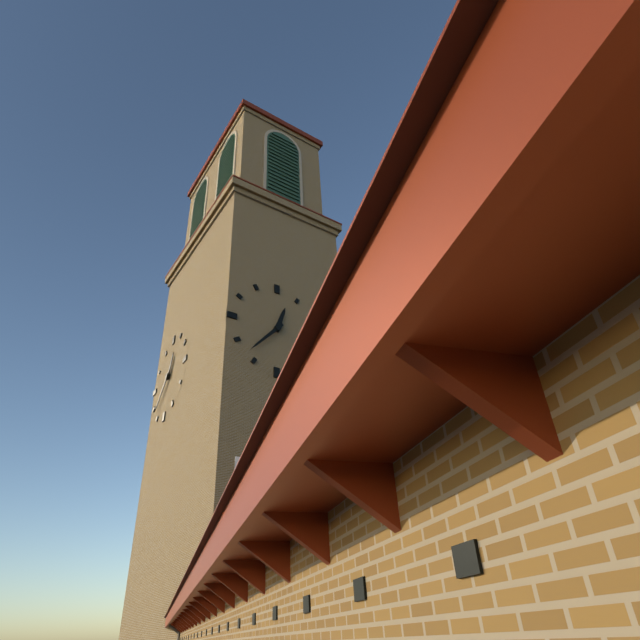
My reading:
**12:37**
